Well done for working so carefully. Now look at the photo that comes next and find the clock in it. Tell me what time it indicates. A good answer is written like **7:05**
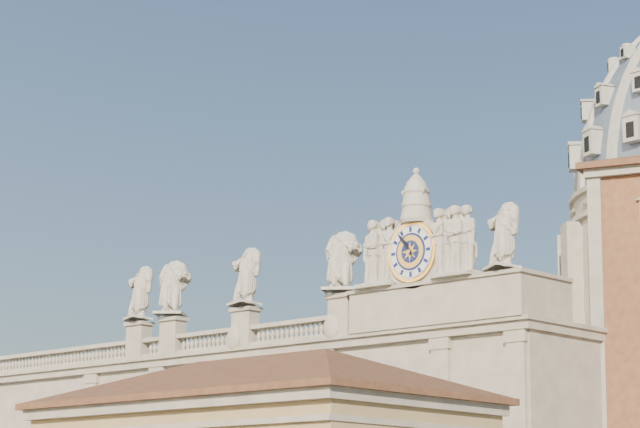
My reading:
**10:54**
